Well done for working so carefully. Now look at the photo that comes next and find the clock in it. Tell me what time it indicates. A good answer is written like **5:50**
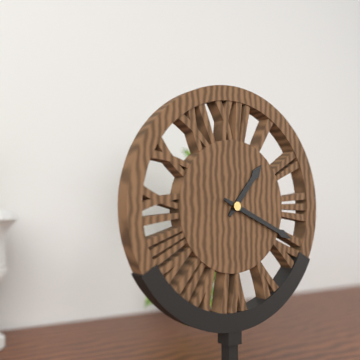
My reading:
**1:19**
